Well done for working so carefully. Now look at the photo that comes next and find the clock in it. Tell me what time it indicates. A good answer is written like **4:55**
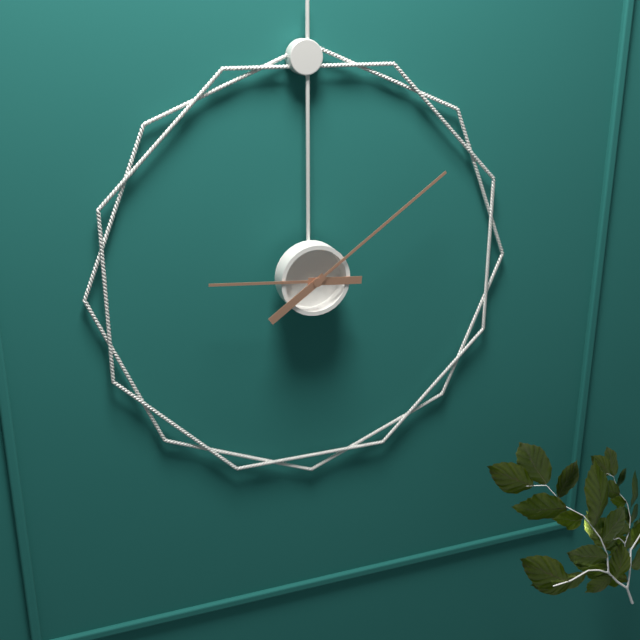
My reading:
**9:09**
